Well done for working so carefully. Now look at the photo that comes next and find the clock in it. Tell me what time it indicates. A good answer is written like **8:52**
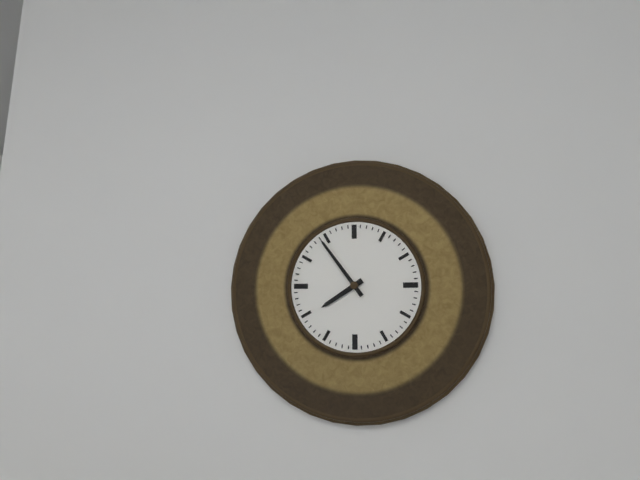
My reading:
**7:54**
